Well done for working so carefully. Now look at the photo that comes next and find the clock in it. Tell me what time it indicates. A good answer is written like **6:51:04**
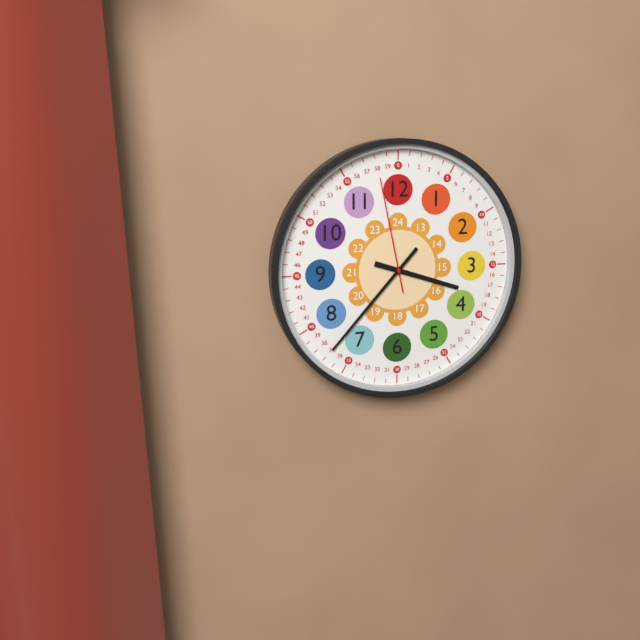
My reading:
**3:37:58**
